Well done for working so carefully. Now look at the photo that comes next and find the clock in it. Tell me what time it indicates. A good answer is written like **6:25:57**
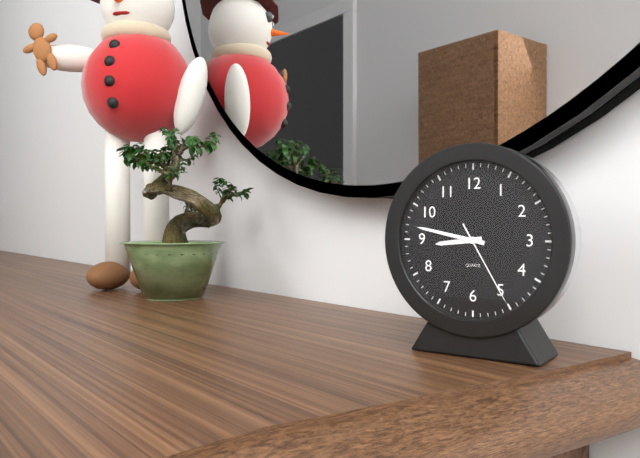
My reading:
**8:47:25**
